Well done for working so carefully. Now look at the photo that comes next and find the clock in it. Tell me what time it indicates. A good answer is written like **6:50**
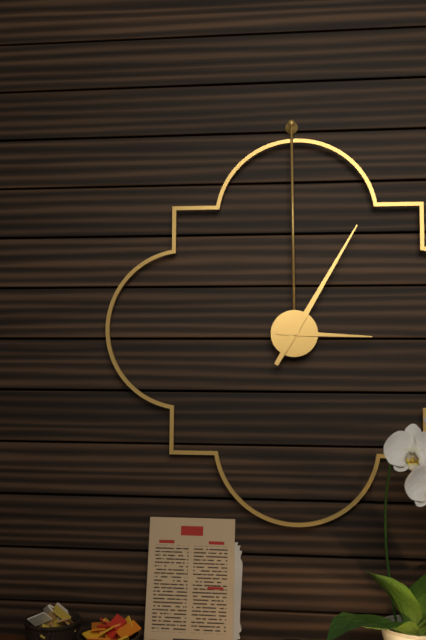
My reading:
**3:05**
